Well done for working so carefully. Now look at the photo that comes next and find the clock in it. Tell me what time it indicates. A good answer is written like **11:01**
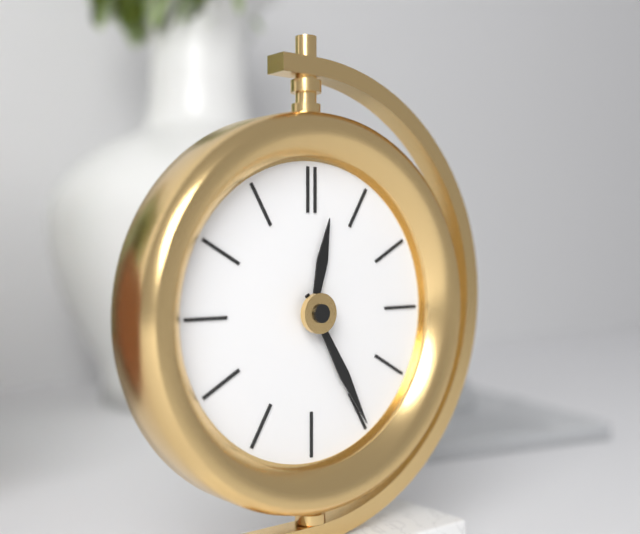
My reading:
**12:25**
